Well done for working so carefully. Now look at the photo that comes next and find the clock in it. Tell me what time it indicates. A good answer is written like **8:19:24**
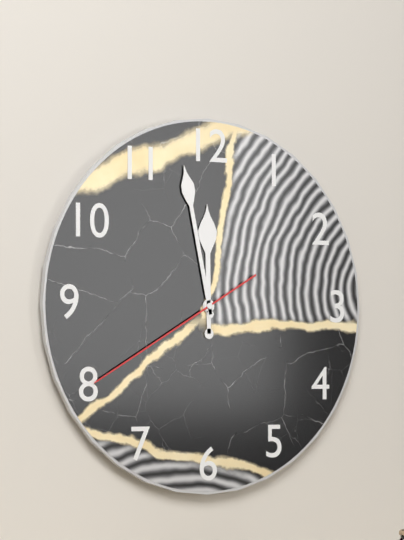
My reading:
**11:58:40**
